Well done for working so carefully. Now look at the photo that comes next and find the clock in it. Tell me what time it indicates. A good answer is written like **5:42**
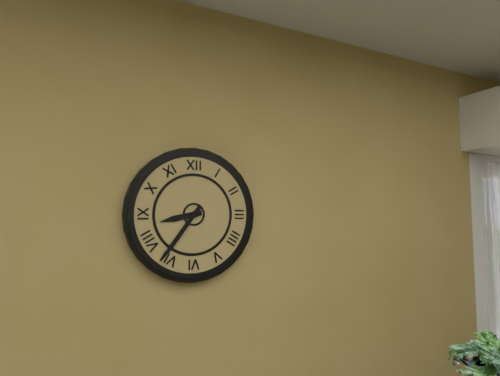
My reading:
**8:36**
